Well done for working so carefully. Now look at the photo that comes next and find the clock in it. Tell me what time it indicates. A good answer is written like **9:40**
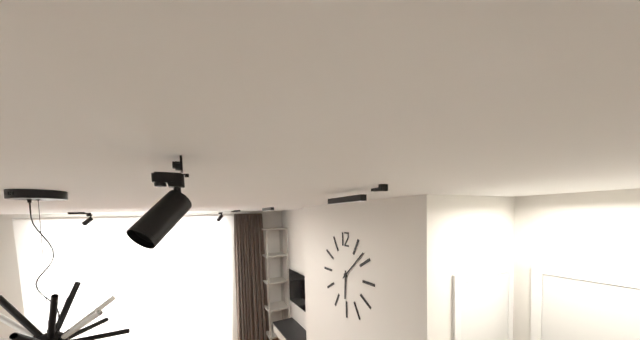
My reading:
**6:08**
